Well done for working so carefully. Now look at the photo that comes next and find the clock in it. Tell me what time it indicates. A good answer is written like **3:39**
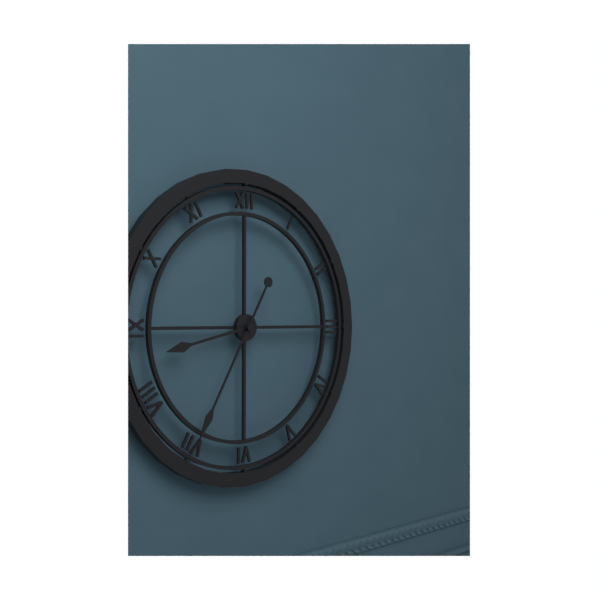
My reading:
**8:35**
